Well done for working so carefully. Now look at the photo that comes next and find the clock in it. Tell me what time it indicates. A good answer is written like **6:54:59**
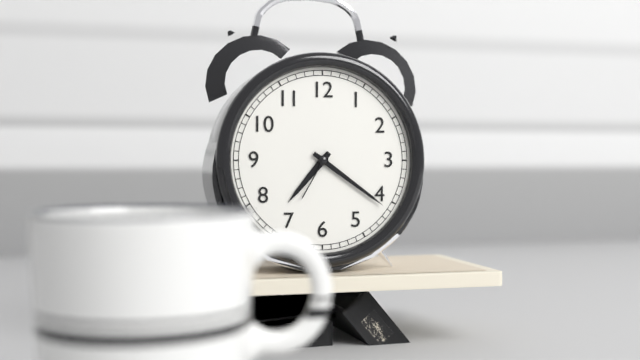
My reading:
**7:21:35**
